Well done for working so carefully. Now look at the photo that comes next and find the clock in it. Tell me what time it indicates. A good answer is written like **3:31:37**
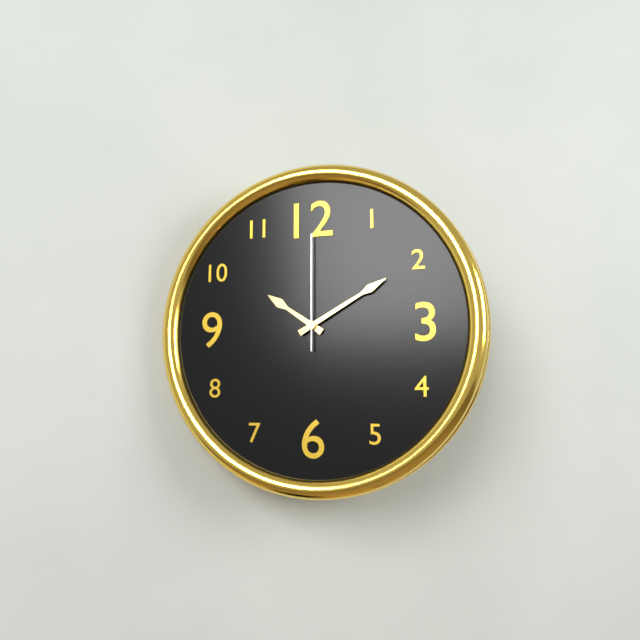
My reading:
**10:10:00**
